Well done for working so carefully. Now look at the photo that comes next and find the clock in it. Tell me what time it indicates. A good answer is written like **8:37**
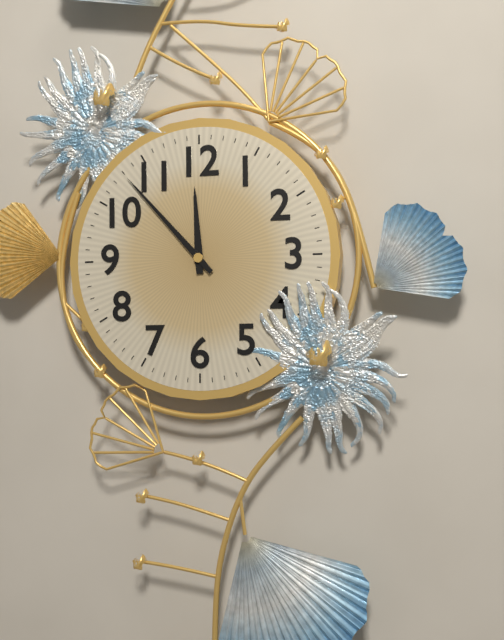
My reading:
**11:53**
